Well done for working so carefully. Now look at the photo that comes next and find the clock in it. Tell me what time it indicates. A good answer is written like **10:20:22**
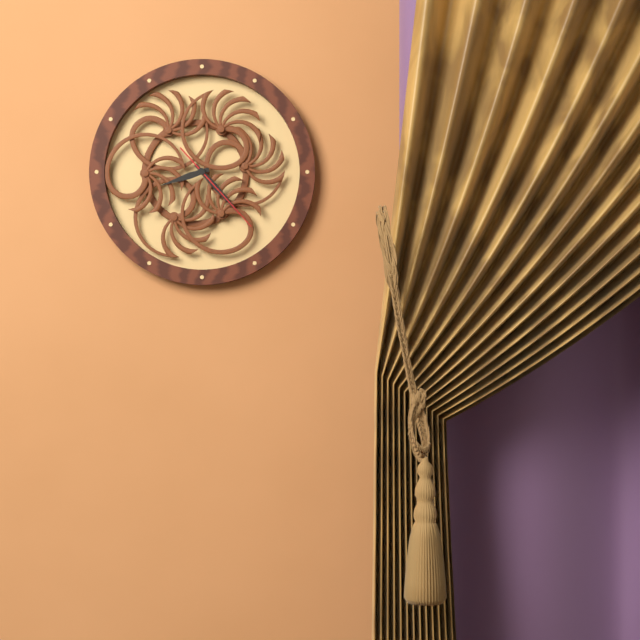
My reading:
**8:23:23**
